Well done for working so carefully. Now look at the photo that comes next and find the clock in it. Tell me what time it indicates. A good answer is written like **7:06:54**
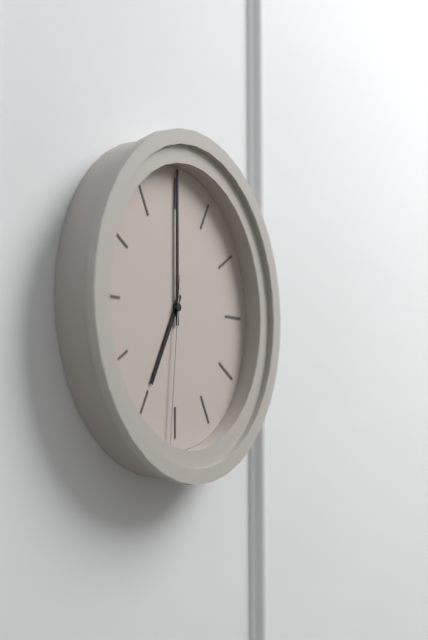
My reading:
**7:00:31**
